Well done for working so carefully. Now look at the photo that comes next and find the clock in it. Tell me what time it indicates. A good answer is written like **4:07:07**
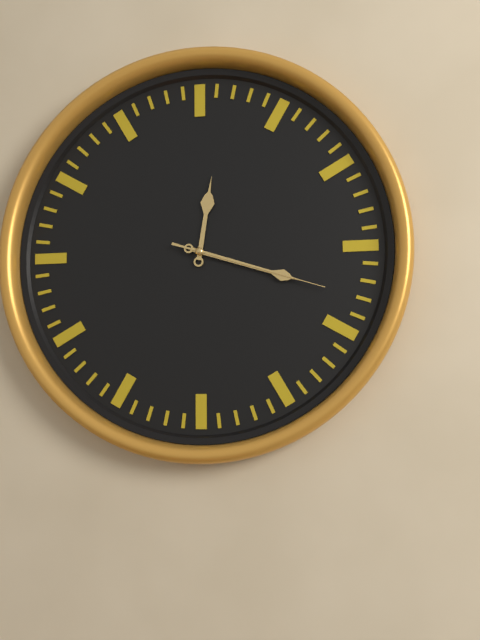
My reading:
**12:18:18**
